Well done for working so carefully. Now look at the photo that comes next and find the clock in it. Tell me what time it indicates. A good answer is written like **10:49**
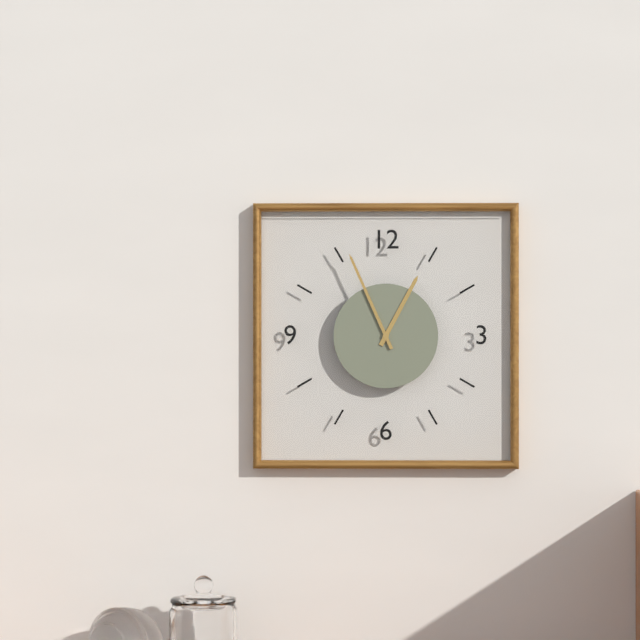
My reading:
**12:56**
